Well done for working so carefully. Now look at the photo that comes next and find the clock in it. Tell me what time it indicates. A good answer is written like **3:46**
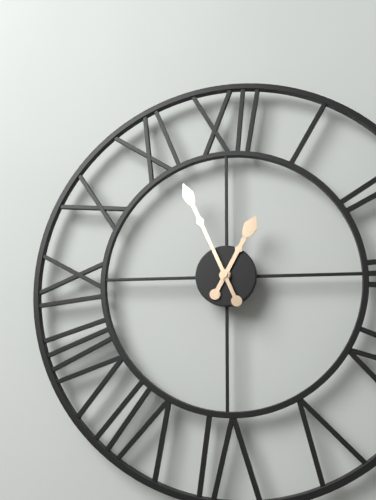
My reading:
**12:56**
